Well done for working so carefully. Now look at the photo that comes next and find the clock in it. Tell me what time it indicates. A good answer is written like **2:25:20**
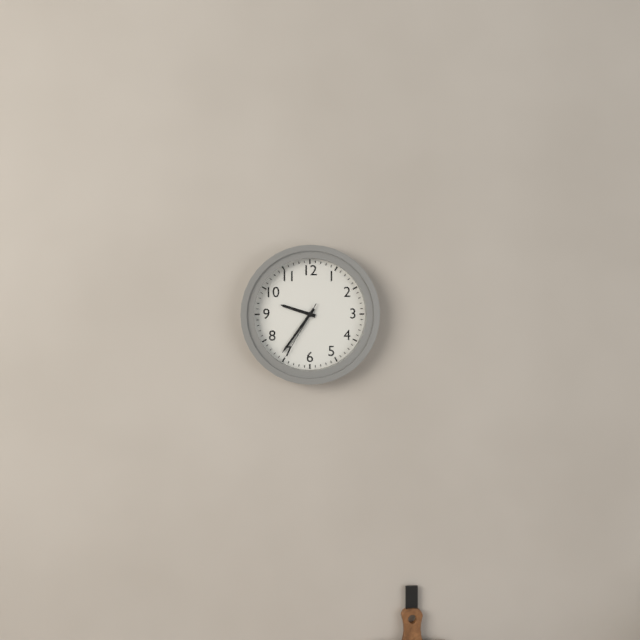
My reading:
**9:36:35**
